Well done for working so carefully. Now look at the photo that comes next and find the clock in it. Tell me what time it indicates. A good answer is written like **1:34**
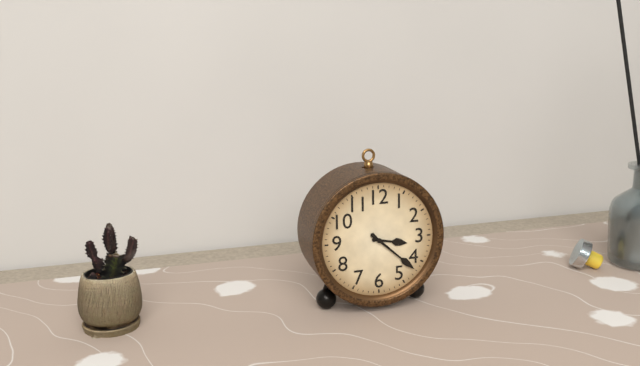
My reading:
**3:22**
